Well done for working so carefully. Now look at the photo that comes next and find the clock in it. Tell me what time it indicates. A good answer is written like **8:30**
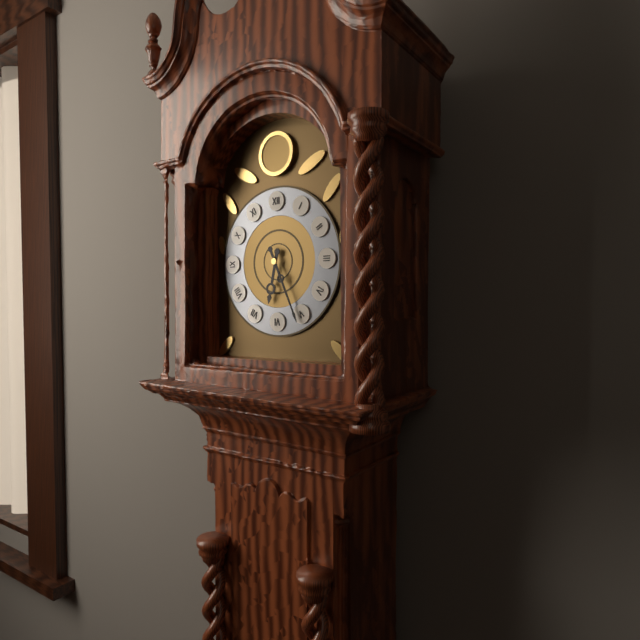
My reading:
**6:26**
